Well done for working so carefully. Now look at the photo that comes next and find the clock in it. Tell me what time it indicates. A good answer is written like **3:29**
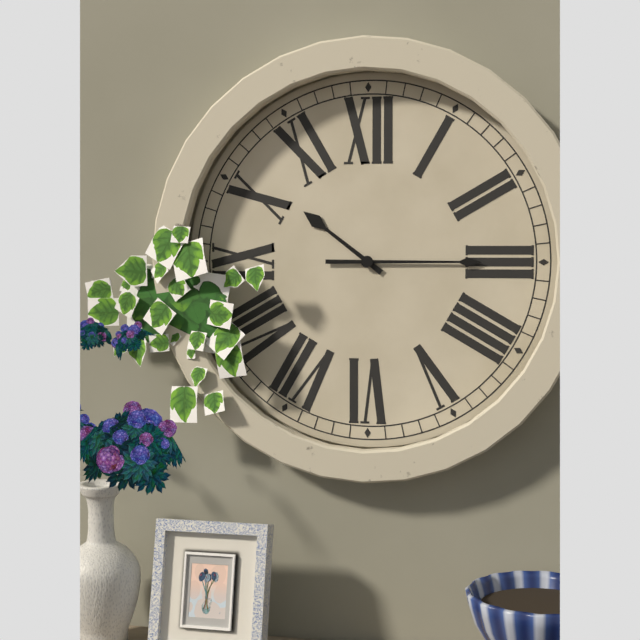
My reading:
**10:15**
